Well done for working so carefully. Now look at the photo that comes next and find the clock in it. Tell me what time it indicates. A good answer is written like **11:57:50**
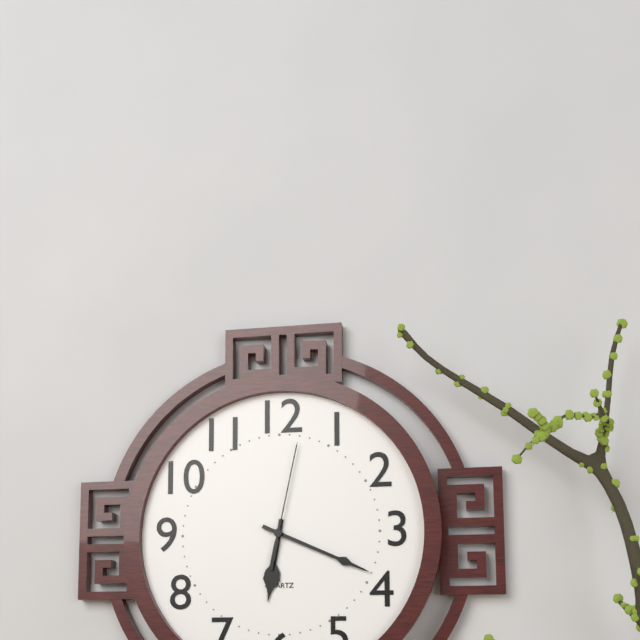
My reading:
**6:19:02**
